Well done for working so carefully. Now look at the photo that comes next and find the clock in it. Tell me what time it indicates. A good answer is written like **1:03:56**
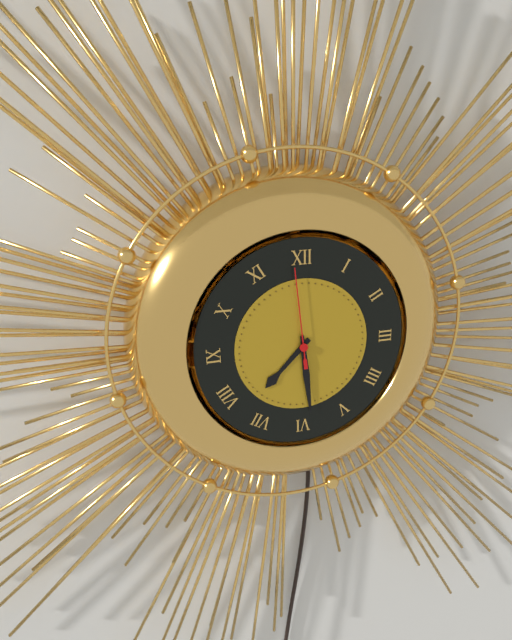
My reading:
**7:29:59**
